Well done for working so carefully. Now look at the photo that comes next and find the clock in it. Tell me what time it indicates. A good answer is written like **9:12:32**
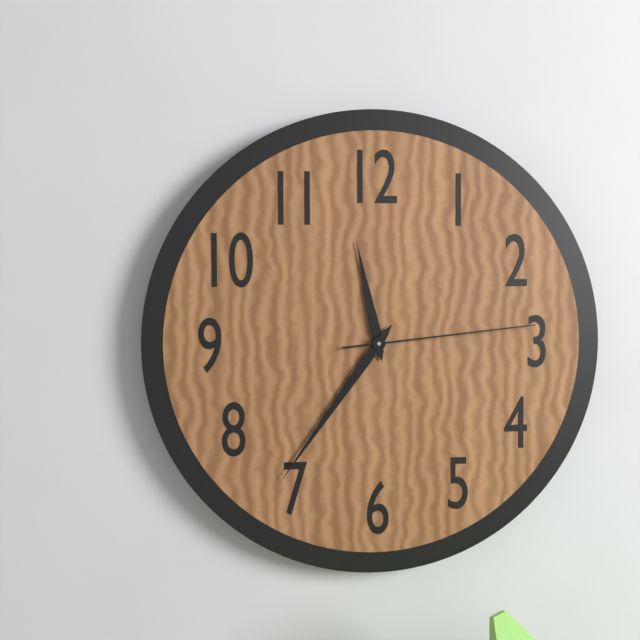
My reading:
**11:36:14**
